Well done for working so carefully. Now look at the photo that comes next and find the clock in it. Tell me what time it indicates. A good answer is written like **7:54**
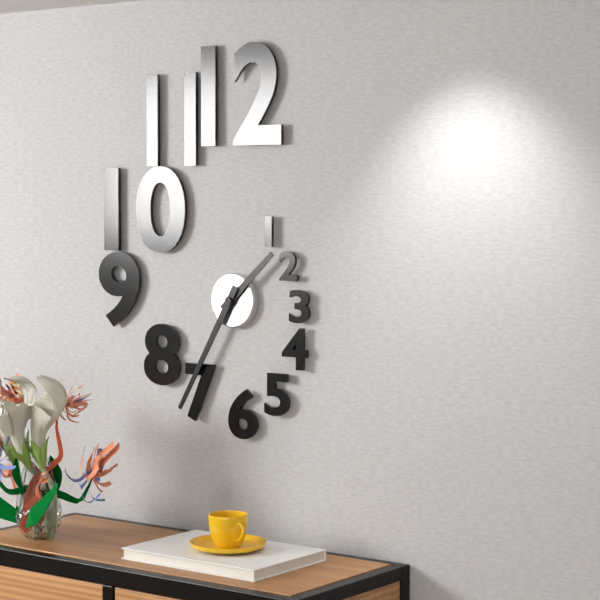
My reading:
**1:35**
